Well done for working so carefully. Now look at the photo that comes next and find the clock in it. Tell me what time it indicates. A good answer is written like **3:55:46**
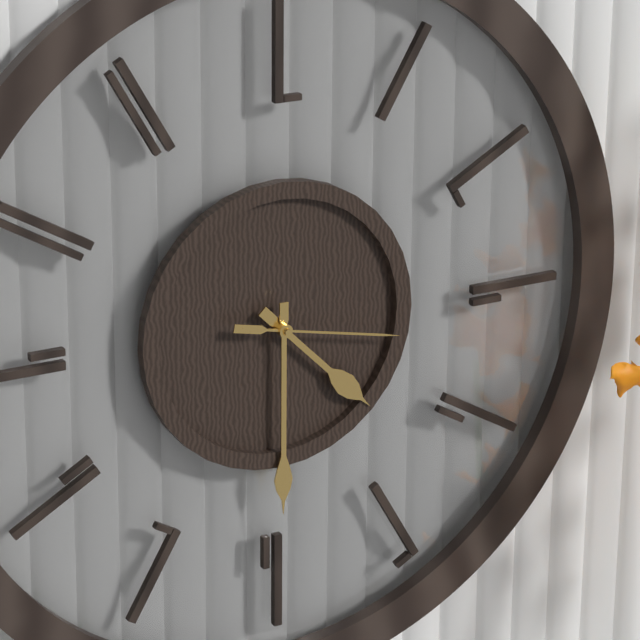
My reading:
**4:30:17**
